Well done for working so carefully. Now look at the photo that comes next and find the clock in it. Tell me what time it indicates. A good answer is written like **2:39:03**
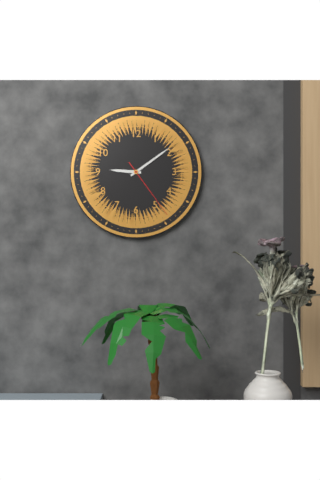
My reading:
**9:09:24**
